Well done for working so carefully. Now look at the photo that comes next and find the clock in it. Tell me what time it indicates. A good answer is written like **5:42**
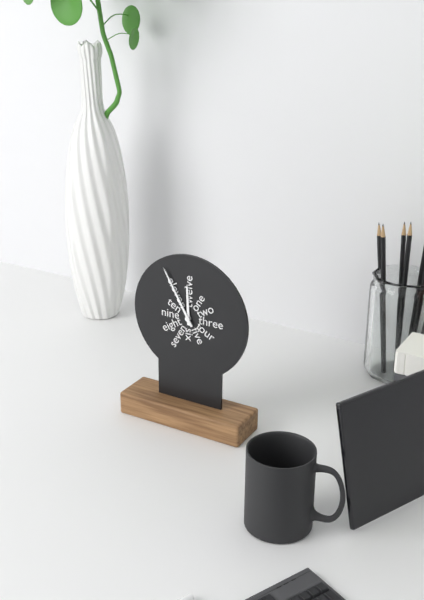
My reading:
**11:55**
